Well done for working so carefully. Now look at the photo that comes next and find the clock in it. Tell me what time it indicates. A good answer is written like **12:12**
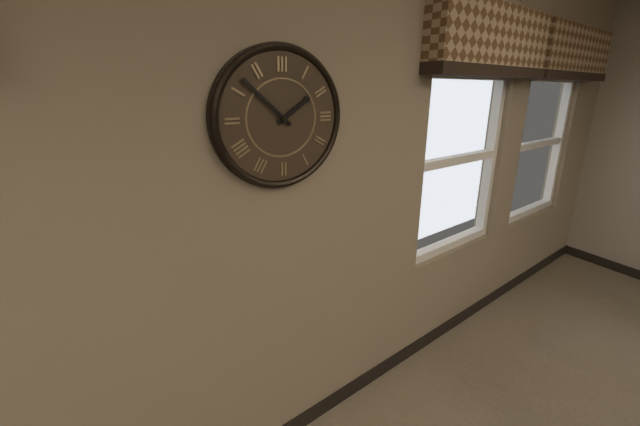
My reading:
**1:52**
